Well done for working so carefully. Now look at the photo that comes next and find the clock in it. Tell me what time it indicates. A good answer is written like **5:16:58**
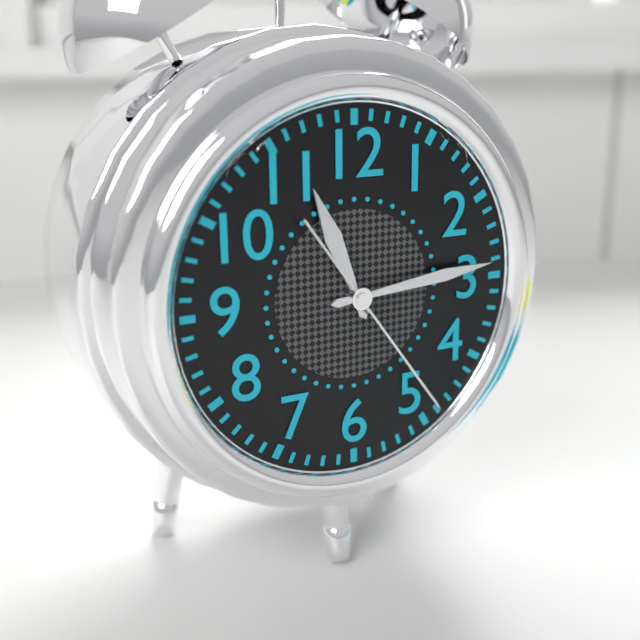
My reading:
**11:14:24**
